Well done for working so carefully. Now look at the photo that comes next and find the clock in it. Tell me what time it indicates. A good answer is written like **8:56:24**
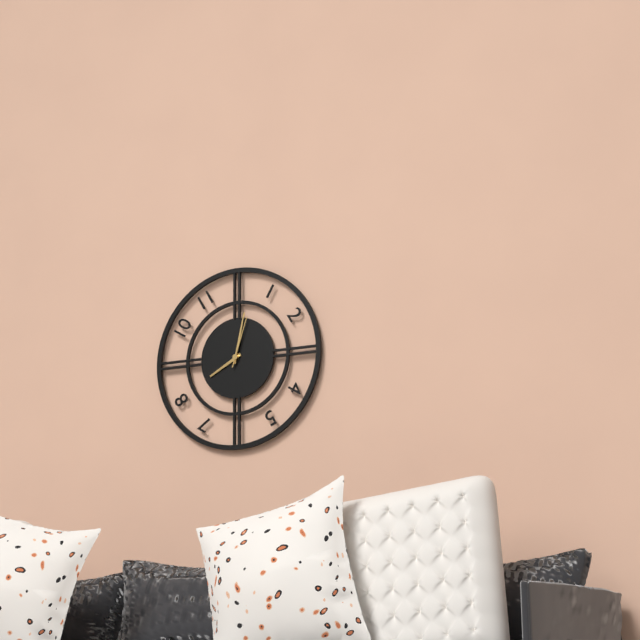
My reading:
**8:02:03**
